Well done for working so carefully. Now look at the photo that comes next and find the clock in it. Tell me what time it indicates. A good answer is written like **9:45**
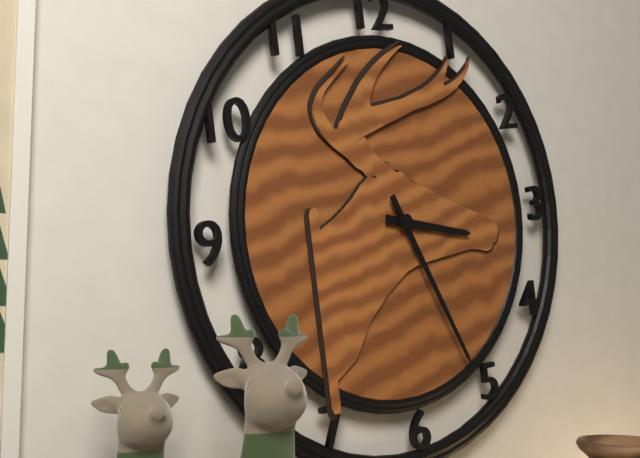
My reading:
**3:26**
